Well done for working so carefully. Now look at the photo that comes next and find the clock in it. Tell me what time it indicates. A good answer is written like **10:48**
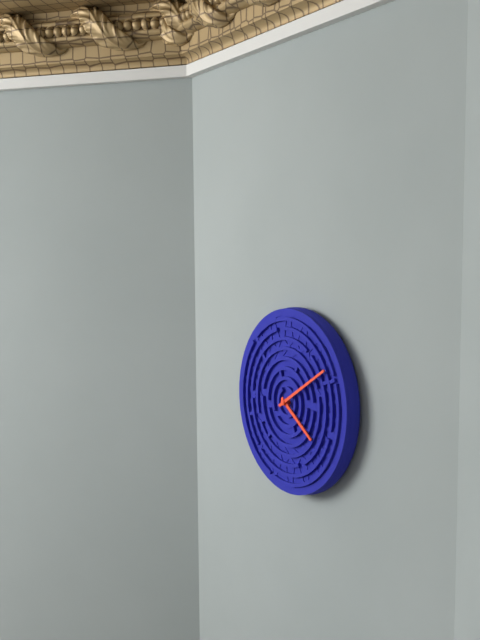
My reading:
**4:10**
